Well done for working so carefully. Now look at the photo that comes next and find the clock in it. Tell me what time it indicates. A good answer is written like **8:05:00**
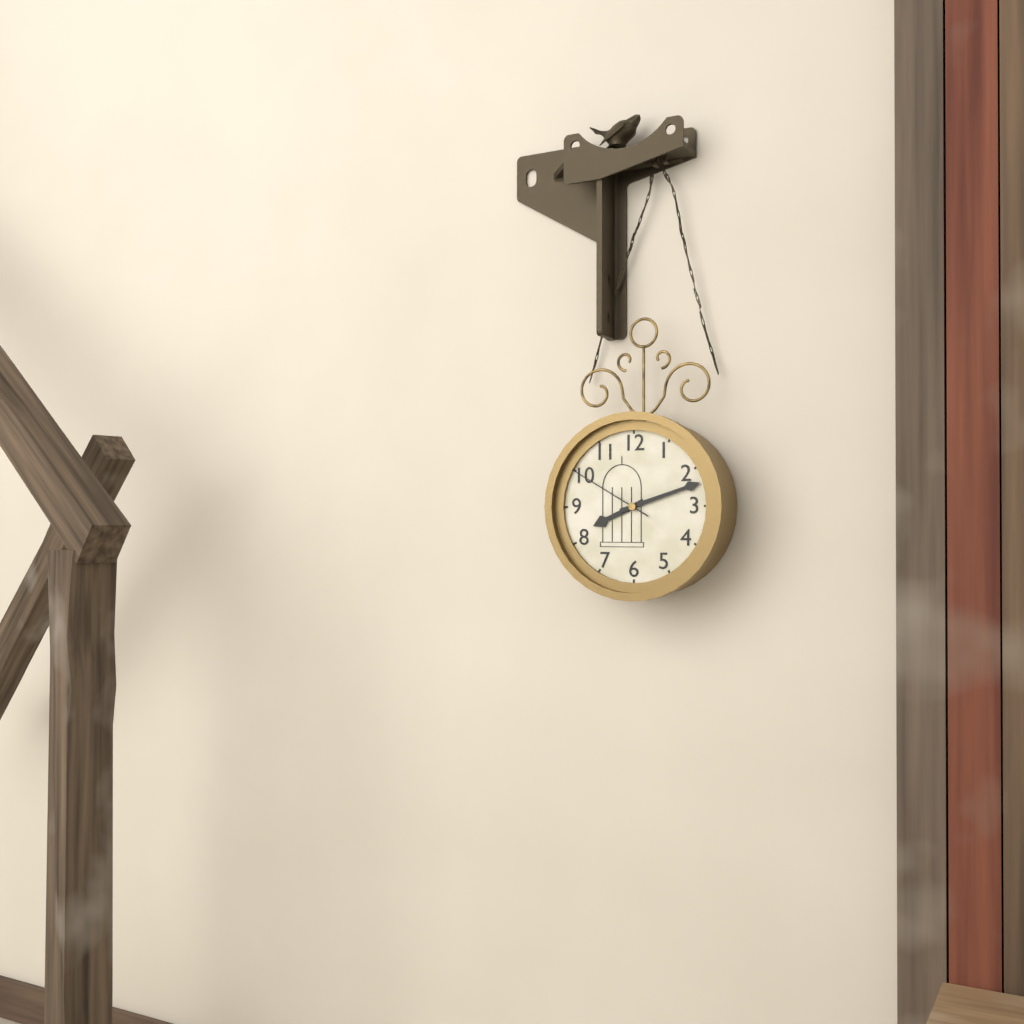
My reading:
**8:12:50**
